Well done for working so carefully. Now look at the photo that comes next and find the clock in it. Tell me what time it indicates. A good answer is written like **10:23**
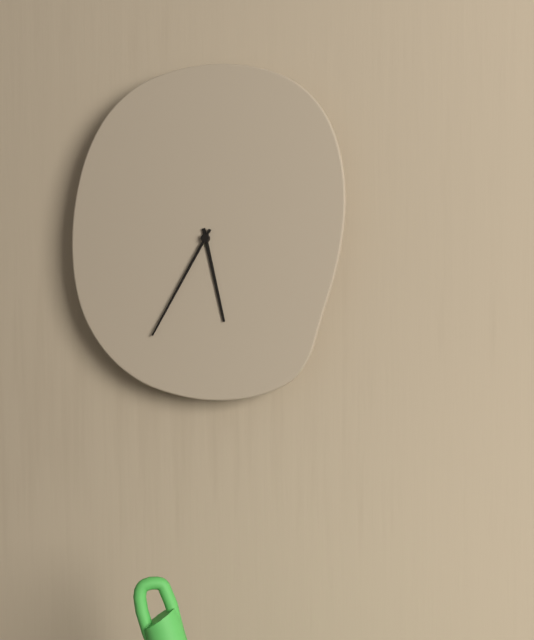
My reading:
**5:35**
